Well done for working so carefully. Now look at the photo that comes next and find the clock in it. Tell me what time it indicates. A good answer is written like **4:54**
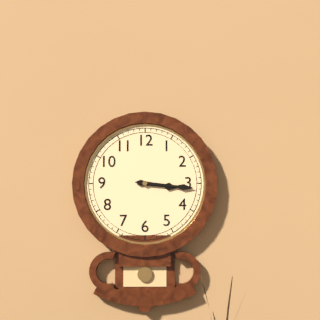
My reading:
**3:16**
